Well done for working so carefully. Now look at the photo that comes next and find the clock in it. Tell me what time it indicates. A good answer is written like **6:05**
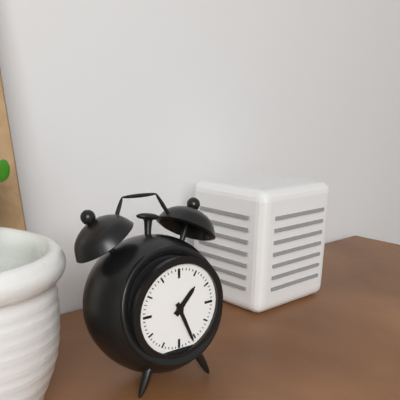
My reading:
**1:26**
